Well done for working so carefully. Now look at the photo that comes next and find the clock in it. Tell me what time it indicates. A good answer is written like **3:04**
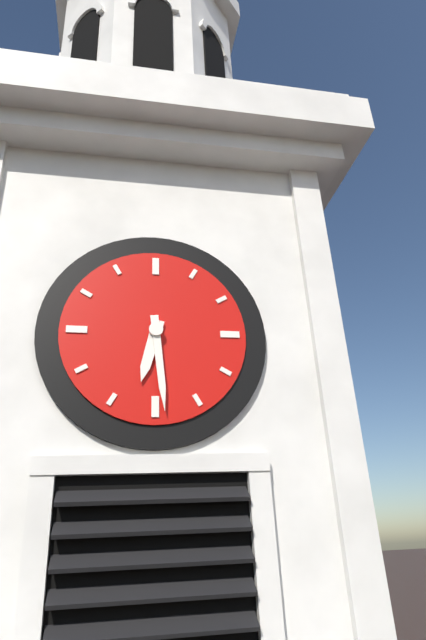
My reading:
**6:29**
